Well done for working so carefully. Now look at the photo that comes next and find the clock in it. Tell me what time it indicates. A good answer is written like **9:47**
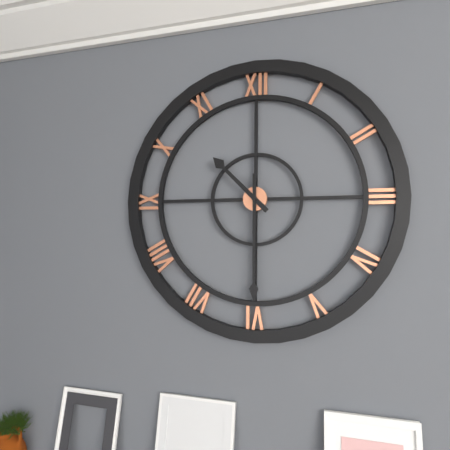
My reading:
**10:30**
